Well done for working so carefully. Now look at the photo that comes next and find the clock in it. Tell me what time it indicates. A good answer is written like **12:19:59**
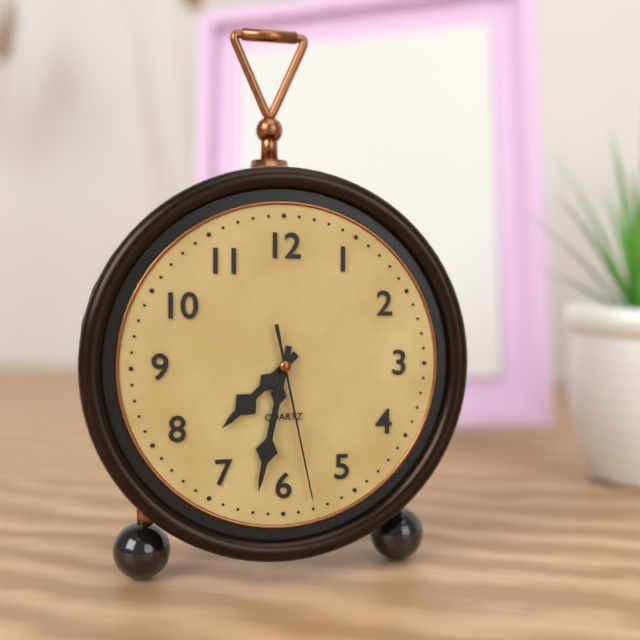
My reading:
**7:32:28**
